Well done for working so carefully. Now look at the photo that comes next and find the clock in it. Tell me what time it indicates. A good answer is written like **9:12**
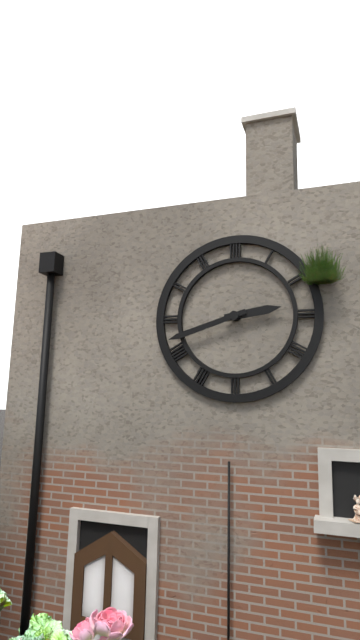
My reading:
**2:42**
